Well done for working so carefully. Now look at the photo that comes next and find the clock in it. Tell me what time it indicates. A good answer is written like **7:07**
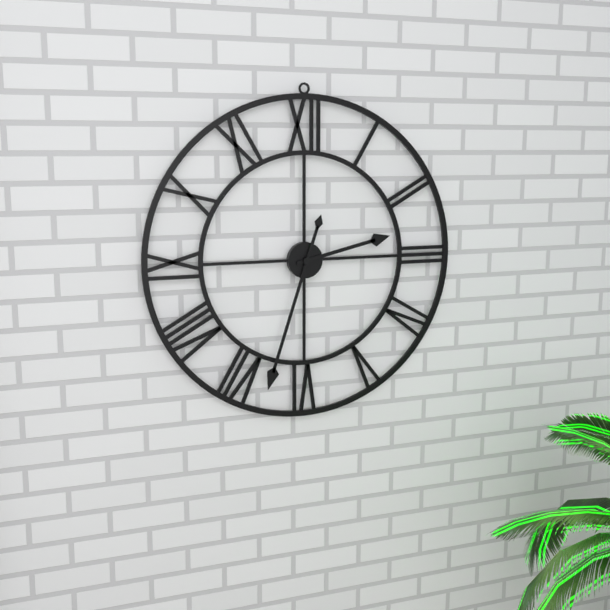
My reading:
**2:33**
